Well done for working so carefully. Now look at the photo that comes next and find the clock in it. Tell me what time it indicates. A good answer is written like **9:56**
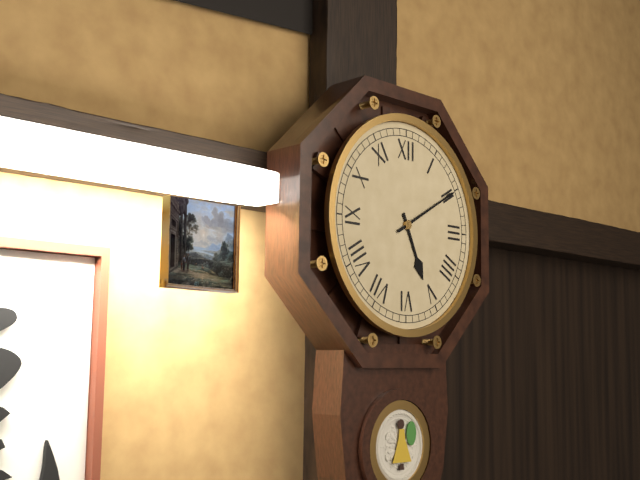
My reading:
**5:10**
